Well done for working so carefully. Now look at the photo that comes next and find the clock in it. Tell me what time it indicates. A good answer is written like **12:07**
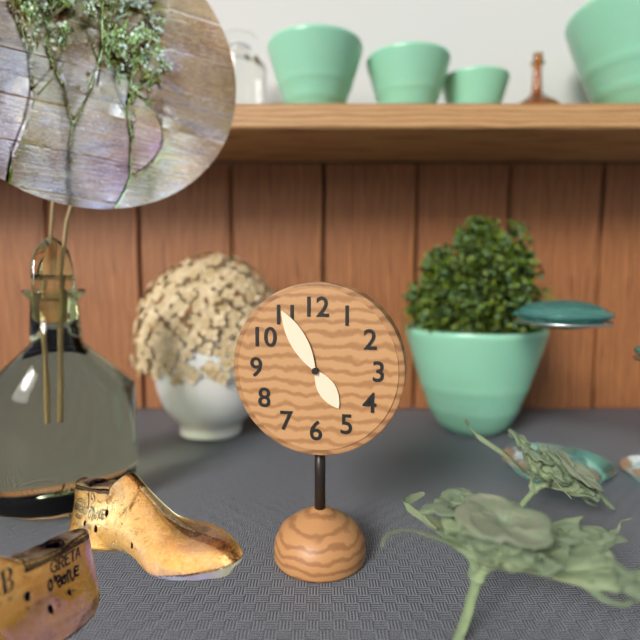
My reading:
**4:55**
